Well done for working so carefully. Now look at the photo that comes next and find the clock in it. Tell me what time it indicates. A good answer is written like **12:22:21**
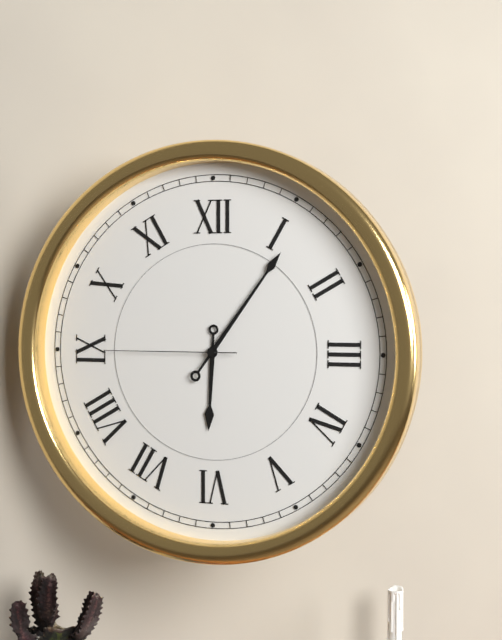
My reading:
**6:06:45**
